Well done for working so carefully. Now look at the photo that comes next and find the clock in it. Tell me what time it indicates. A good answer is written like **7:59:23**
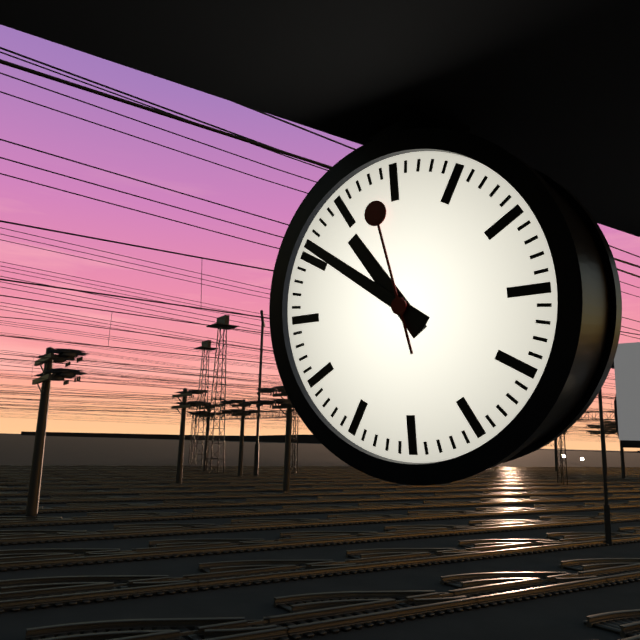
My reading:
**10:51:58**
